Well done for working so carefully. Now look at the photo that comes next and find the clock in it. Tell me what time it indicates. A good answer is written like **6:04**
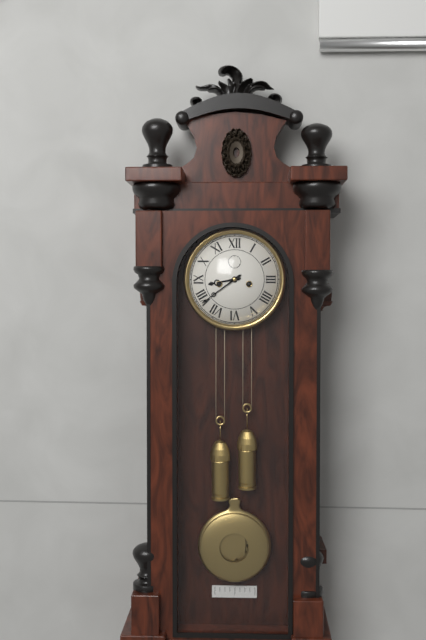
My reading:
**8:39**
